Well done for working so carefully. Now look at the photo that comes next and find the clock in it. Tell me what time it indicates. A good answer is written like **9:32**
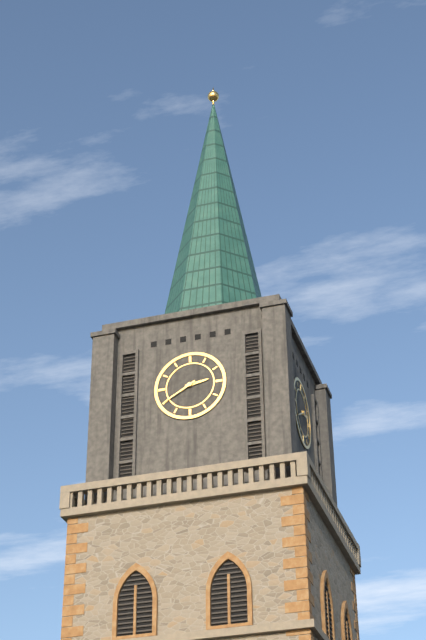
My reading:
**2:40**
